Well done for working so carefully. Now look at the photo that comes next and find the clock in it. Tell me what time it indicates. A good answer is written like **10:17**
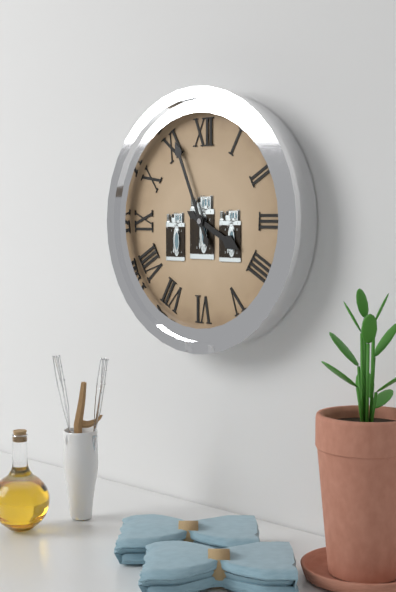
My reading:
**3:56**
